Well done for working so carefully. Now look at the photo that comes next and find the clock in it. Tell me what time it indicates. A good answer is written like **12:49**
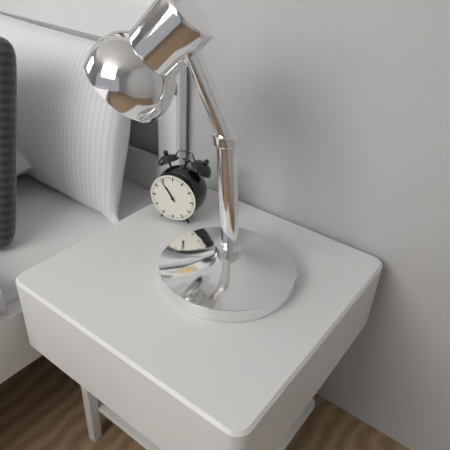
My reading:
**10:54**
